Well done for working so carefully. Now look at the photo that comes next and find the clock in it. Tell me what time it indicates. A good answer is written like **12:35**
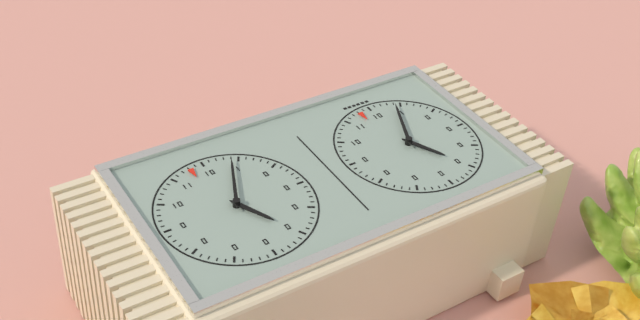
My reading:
**5:04**
